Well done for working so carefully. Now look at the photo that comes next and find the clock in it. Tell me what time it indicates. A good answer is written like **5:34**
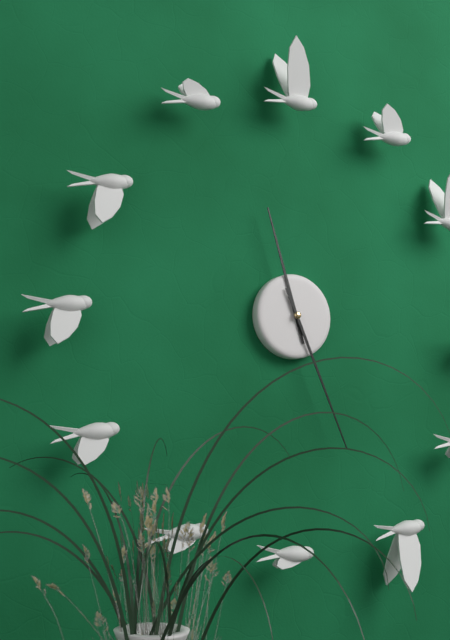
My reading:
**11:26**
